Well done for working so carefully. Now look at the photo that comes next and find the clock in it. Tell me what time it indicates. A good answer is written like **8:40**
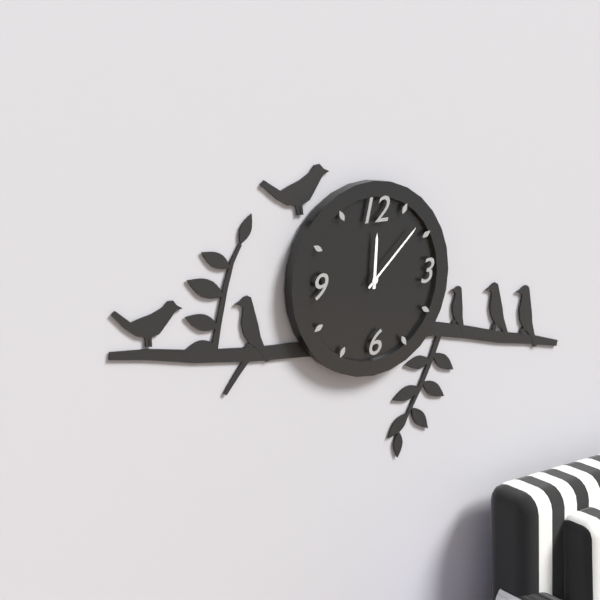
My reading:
**12:08**
